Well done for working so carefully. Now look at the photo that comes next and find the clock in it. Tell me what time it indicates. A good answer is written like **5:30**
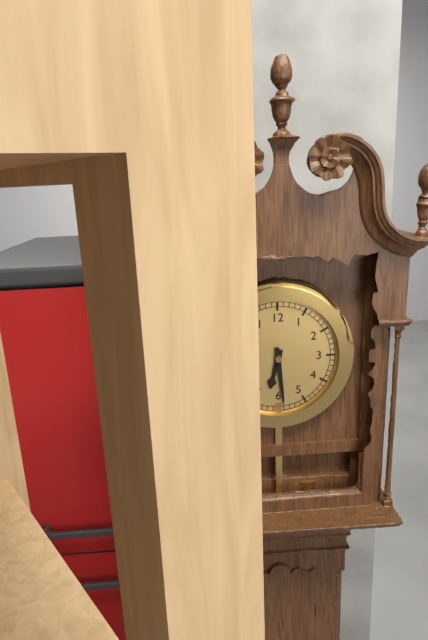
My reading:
**6:29**
